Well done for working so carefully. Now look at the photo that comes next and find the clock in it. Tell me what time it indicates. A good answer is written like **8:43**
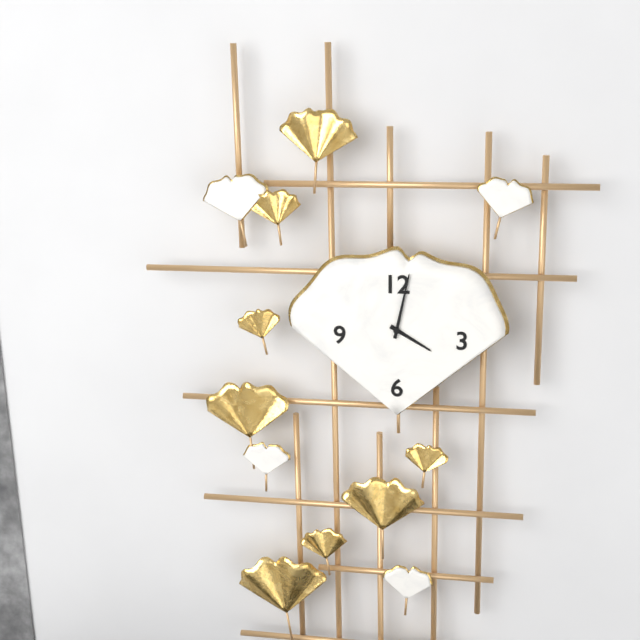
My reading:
**4:02**
